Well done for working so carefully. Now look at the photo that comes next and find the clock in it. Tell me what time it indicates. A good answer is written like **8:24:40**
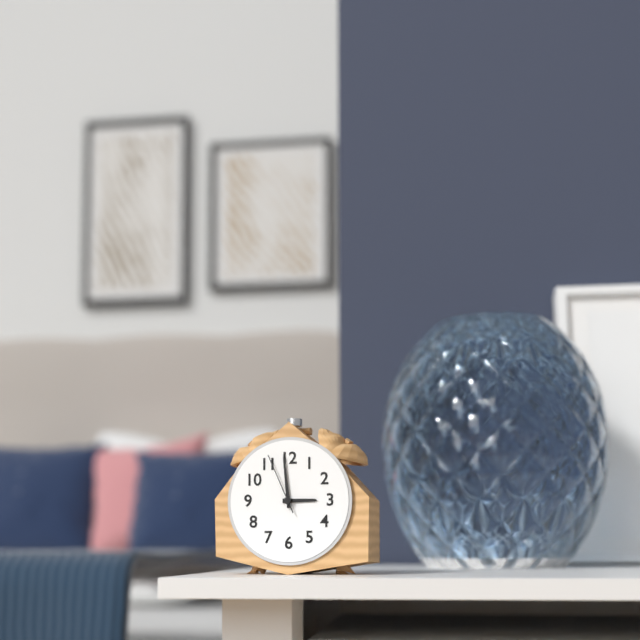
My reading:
**2:59:56**
